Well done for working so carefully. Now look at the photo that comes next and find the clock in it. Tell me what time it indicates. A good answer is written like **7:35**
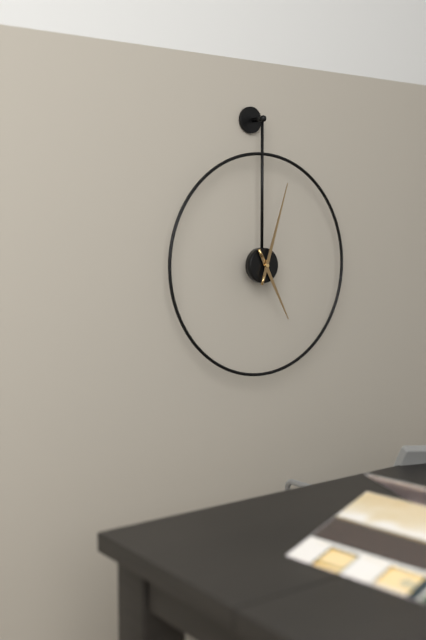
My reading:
**5:03**
